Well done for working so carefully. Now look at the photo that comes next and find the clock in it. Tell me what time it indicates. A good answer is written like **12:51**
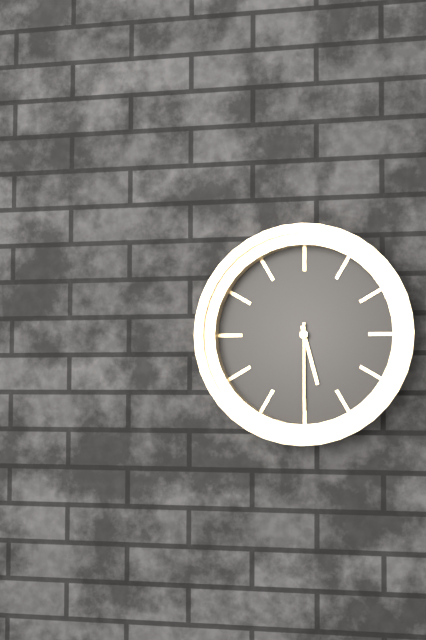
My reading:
**5:30**
